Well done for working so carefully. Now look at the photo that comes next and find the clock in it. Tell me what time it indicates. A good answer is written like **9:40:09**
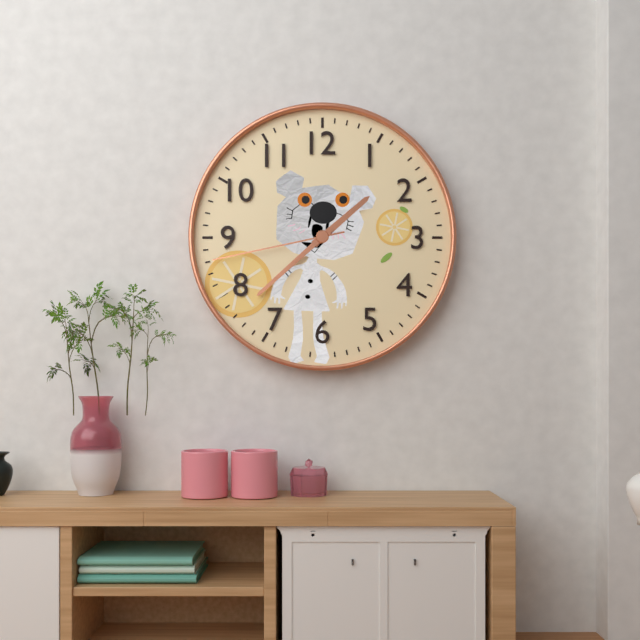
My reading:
**1:38:43**
